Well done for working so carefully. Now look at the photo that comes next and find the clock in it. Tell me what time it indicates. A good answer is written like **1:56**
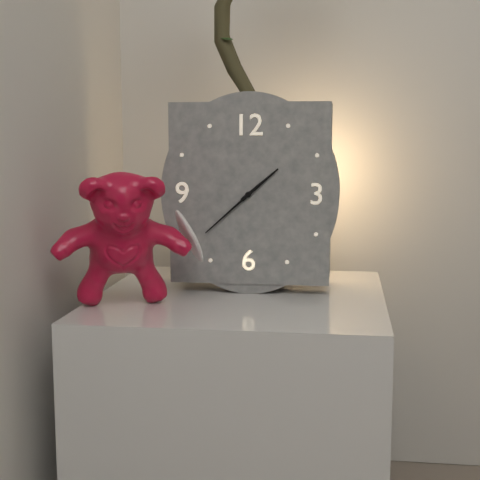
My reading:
**1:38**
